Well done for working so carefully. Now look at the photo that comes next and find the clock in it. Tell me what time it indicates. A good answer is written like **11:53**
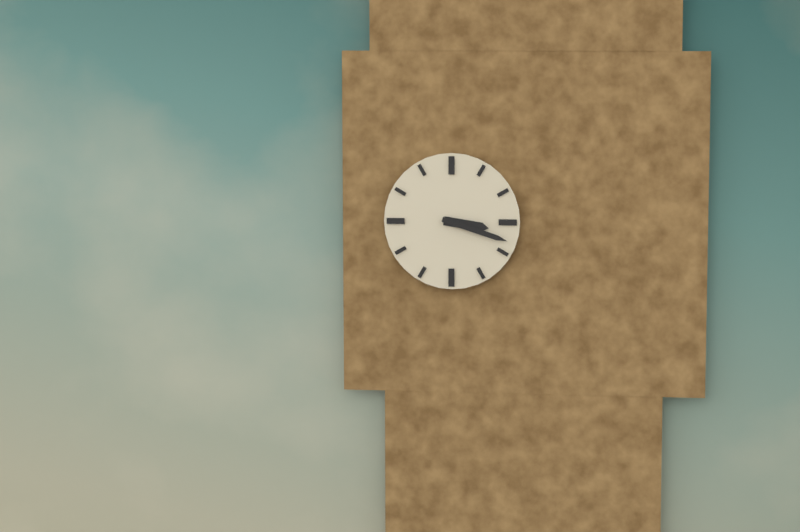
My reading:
**3:18**
